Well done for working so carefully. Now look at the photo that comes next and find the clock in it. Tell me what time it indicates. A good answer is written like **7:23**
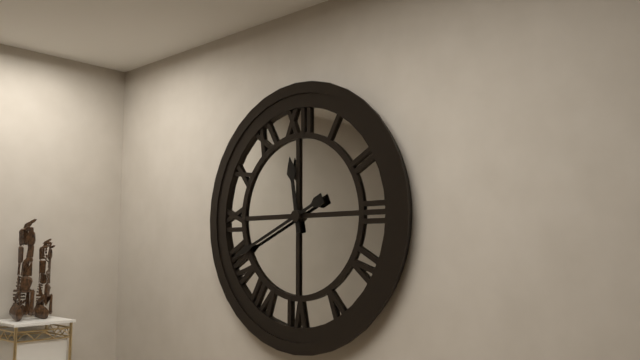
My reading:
**11:41**
